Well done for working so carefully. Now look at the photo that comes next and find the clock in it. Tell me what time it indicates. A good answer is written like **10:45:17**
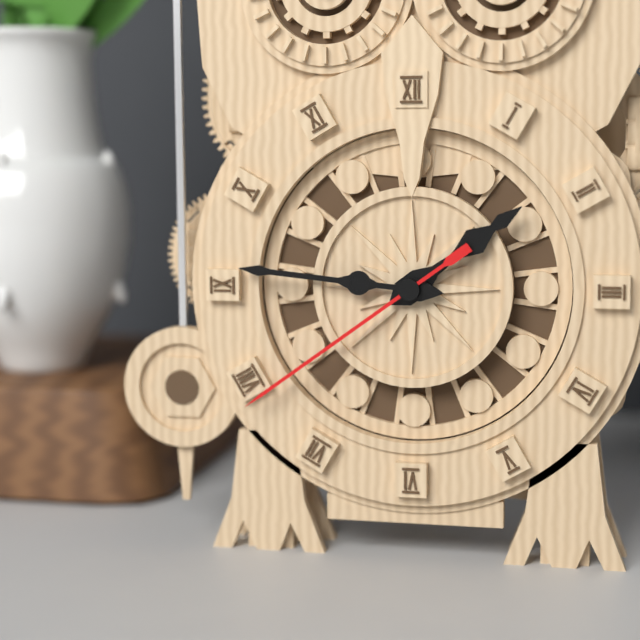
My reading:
**1:46:39**
